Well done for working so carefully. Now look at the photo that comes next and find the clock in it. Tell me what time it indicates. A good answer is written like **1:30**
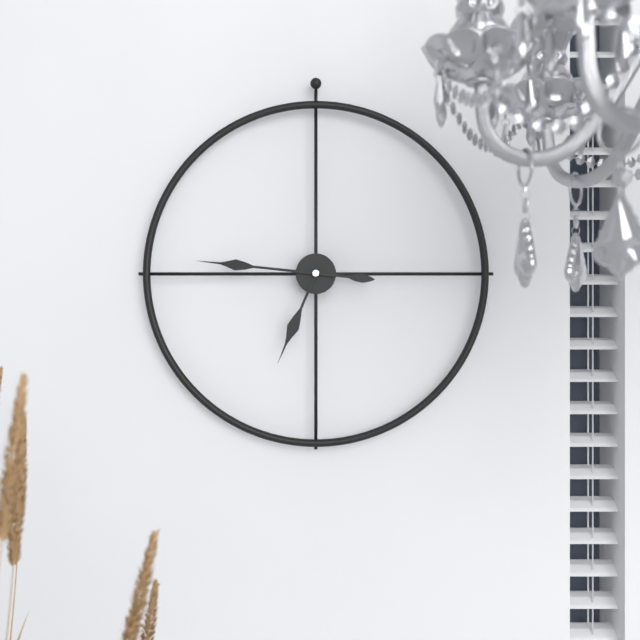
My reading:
**6:46**
